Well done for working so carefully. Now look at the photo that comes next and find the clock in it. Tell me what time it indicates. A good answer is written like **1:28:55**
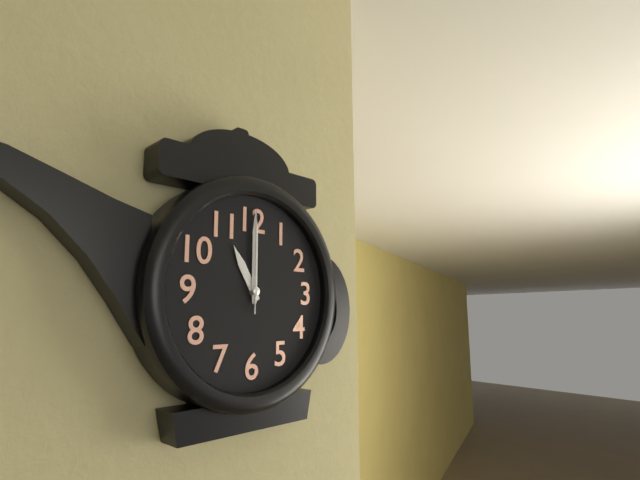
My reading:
**11:00:00**
